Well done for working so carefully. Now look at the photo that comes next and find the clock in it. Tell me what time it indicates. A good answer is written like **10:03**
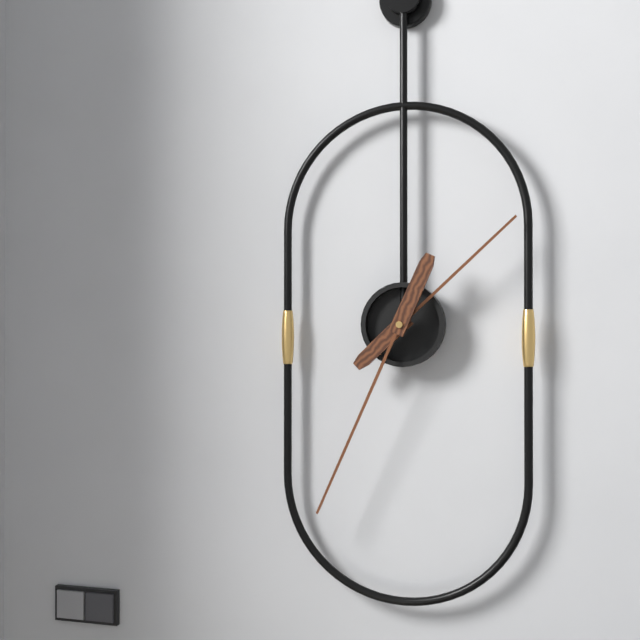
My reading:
**1:34**
